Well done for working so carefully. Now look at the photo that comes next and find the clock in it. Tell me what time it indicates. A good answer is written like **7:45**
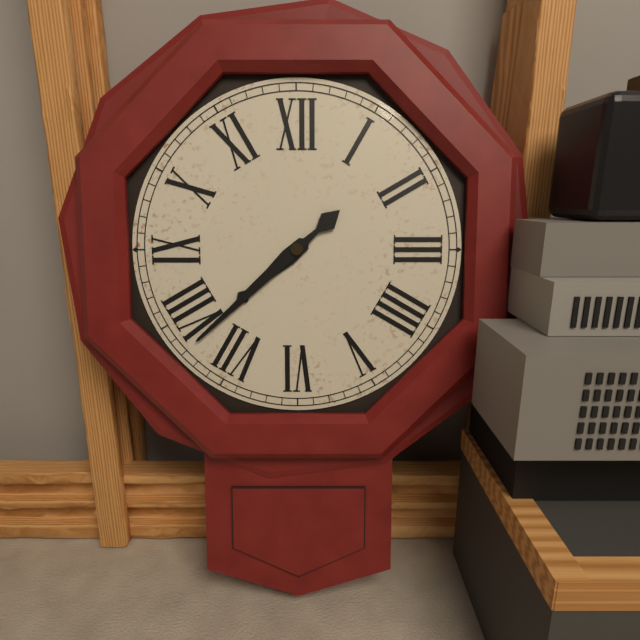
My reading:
**7:38**
